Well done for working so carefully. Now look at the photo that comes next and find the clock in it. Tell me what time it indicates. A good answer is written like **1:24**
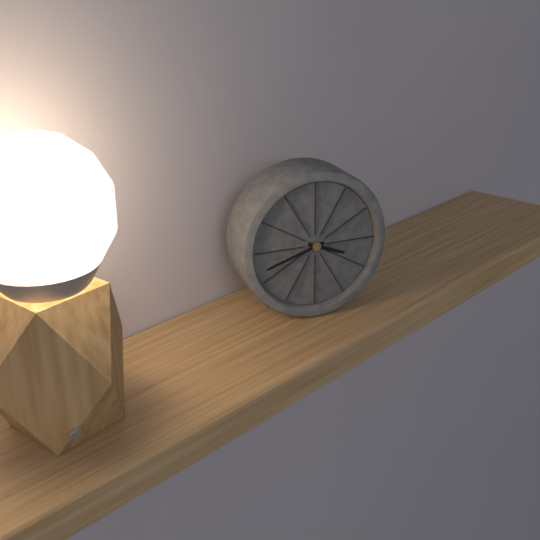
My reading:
**3:42**
